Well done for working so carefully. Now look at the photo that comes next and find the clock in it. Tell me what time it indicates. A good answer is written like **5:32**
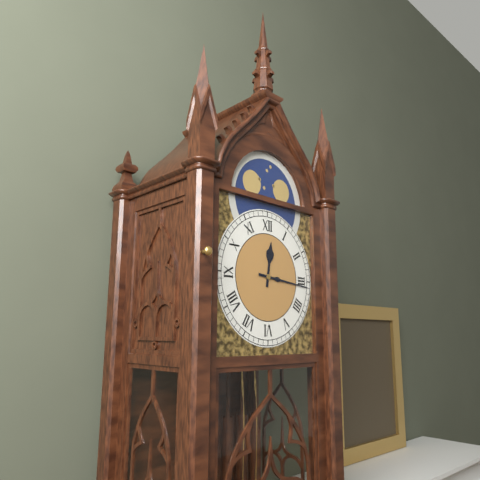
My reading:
**12:16**
